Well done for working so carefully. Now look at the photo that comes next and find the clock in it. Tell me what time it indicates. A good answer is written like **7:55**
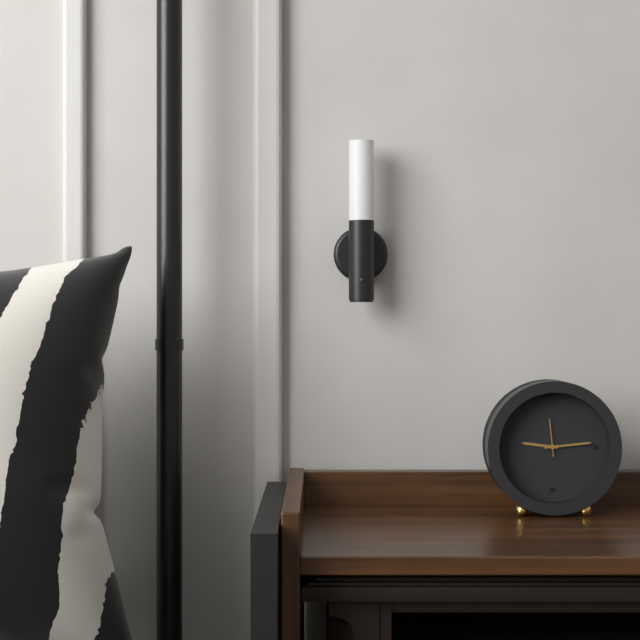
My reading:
**9:14**
